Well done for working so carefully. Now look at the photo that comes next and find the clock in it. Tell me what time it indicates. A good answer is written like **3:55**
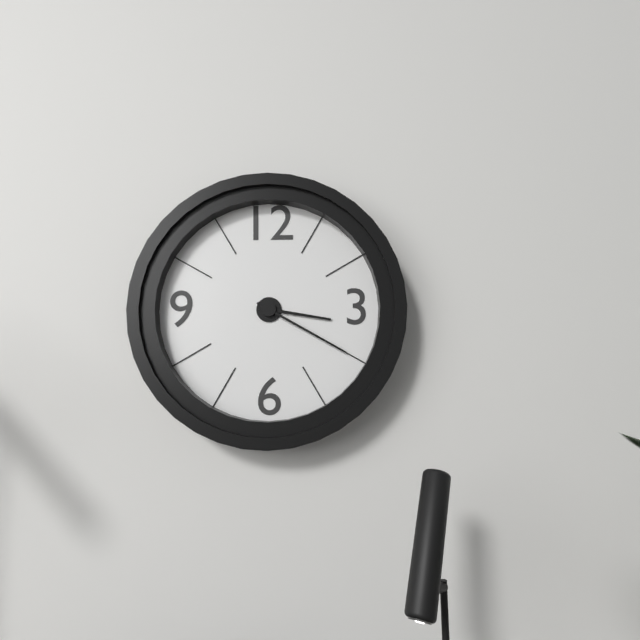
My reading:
**3:20**
